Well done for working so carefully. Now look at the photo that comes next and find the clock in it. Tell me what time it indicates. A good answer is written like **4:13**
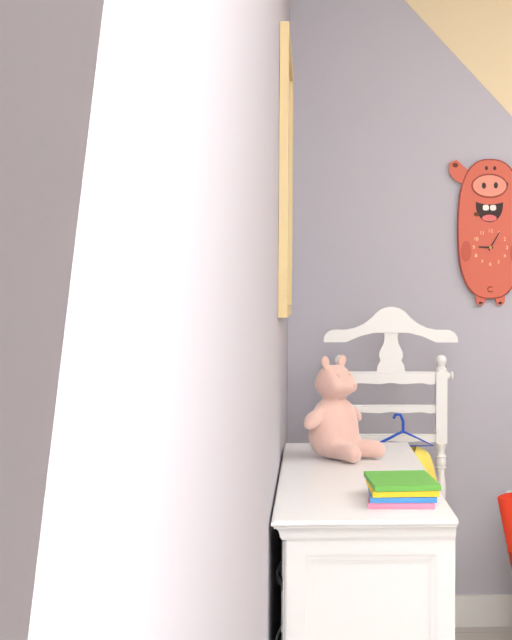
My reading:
**9:05**
